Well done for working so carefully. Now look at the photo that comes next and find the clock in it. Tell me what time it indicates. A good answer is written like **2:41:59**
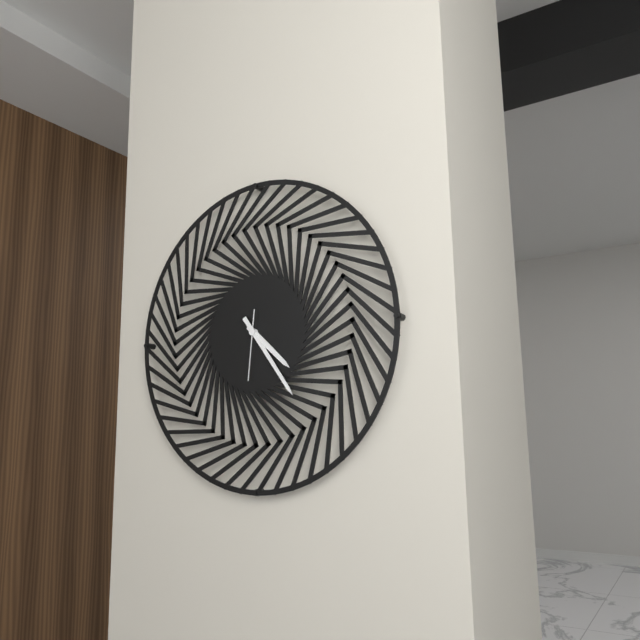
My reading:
**4:24:31**
